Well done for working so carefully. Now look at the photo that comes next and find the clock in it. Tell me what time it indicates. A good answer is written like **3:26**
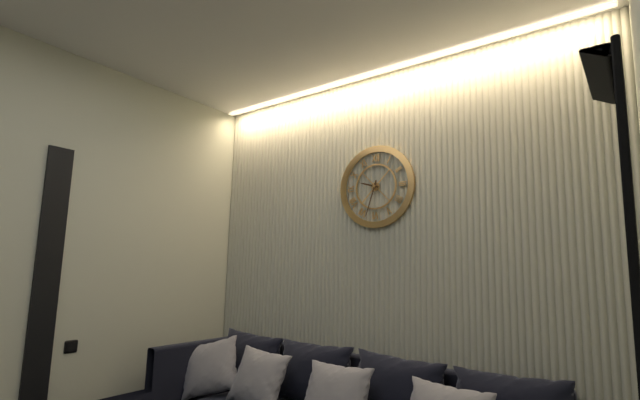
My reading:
**9:33**
